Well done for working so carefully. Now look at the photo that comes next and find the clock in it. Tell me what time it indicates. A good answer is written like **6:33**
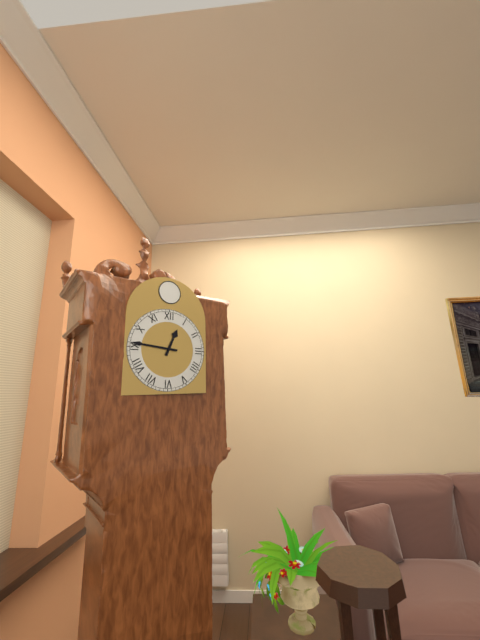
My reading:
**12:46**
